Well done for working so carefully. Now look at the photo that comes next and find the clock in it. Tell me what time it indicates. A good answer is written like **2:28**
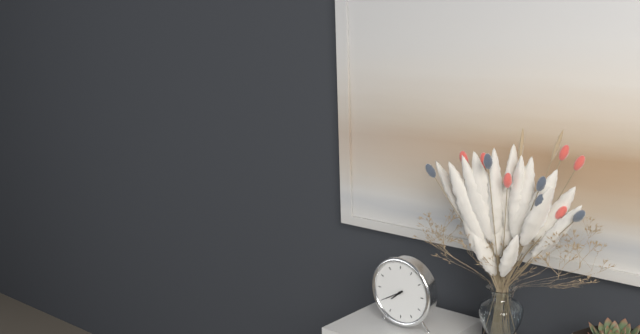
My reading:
**7:40**
